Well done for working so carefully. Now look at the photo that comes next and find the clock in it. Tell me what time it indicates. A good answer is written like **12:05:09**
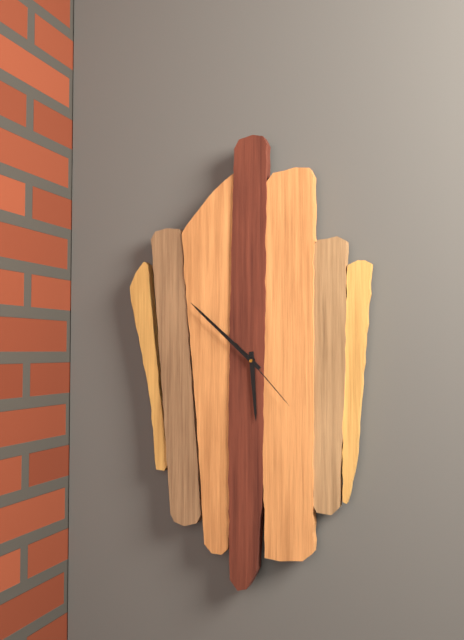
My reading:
**5:52:23**
